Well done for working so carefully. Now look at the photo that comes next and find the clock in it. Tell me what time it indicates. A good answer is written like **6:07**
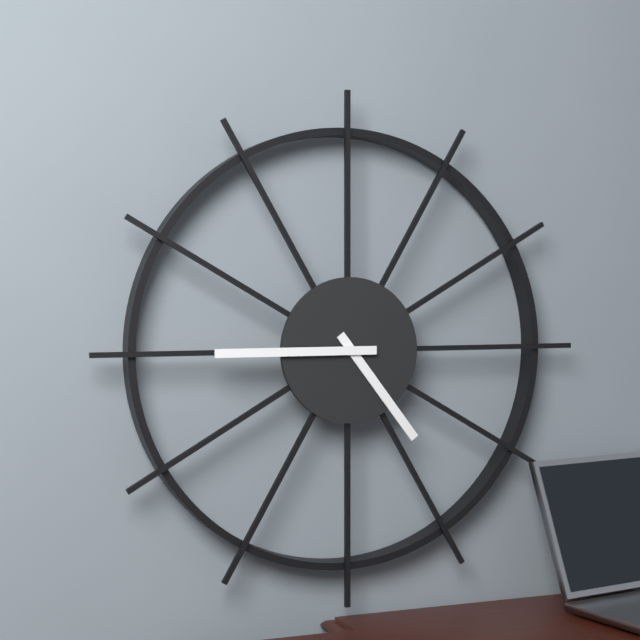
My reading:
**4:45**
